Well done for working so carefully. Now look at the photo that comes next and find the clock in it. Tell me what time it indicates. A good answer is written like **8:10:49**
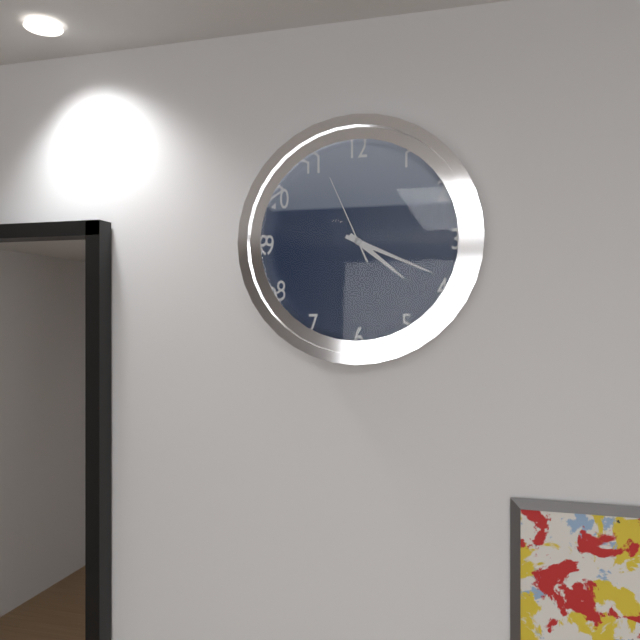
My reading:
**4:19:56**
